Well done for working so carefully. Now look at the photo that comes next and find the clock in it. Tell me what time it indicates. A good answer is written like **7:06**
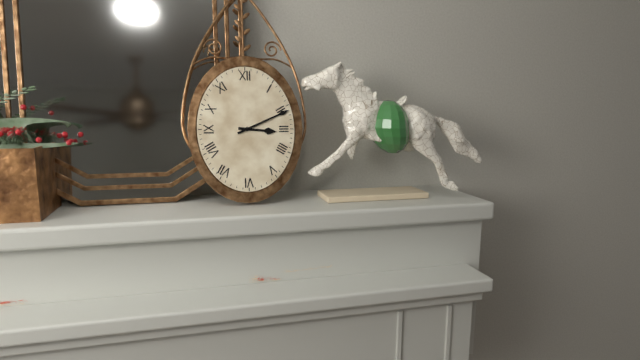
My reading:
**3:11**
